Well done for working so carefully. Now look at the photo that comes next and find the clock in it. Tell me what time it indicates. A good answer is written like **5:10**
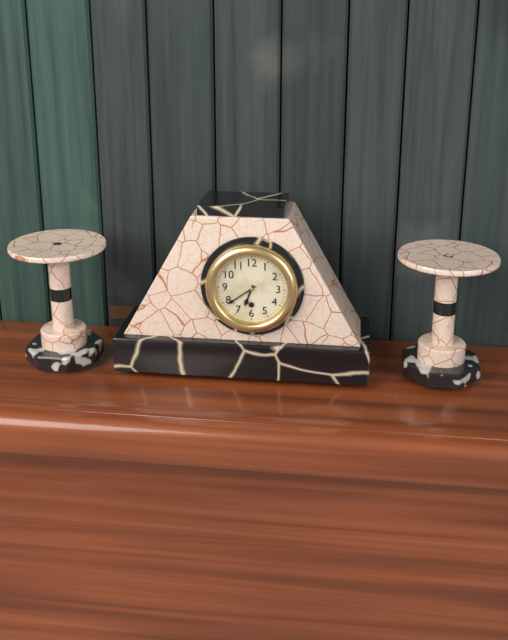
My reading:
**6:39**
